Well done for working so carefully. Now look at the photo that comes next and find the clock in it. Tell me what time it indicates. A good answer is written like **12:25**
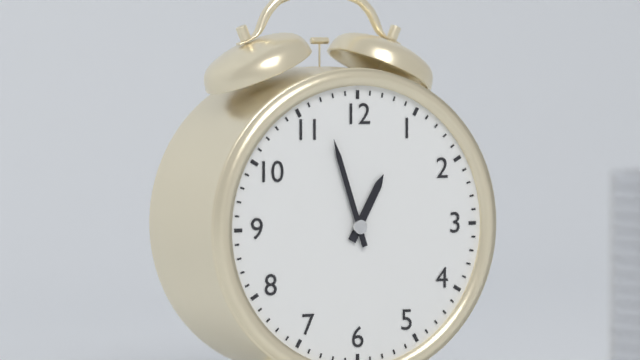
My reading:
**12:57**
